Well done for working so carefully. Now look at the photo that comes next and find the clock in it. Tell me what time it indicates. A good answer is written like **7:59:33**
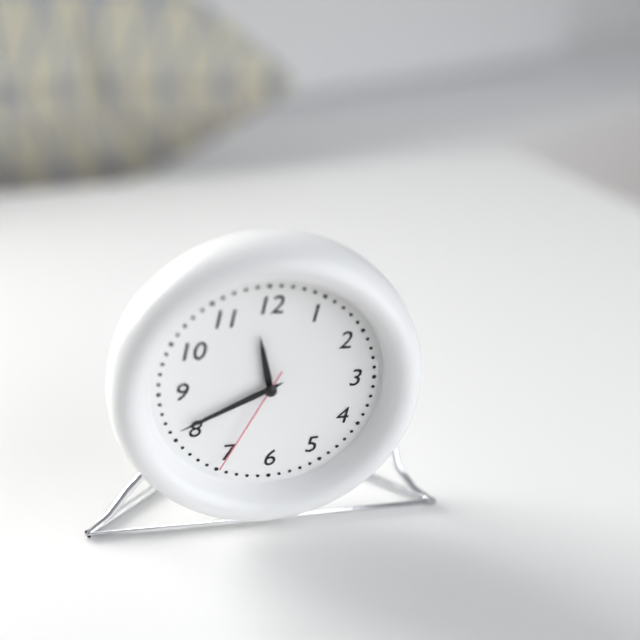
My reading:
**11:41:35**
